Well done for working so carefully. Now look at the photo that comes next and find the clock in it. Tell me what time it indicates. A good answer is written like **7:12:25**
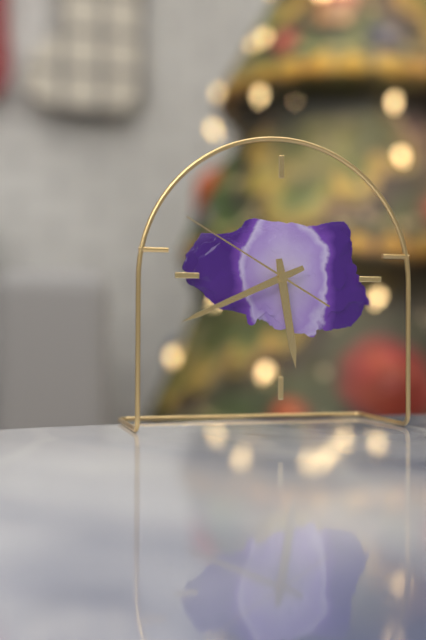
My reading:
**5:41:50**
